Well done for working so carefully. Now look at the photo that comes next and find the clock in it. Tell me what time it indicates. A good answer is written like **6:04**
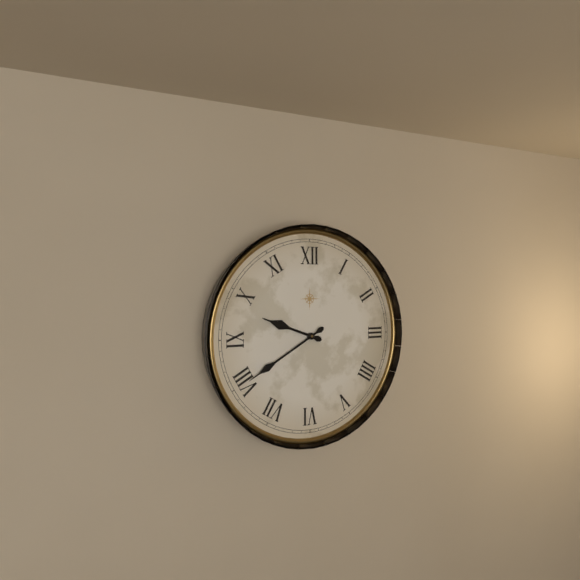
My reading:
**9:40**
